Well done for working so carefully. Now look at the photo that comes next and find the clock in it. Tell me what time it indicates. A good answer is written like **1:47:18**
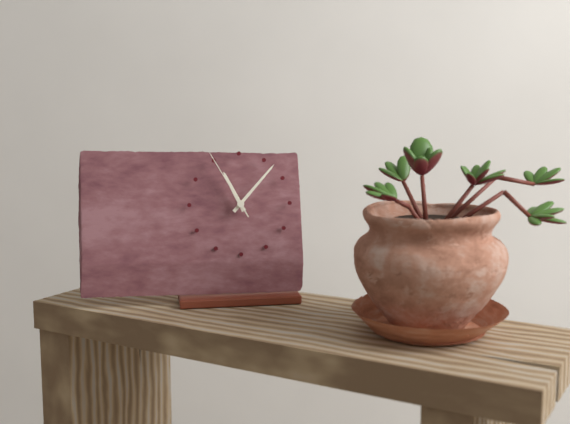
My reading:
**11:07:55**
